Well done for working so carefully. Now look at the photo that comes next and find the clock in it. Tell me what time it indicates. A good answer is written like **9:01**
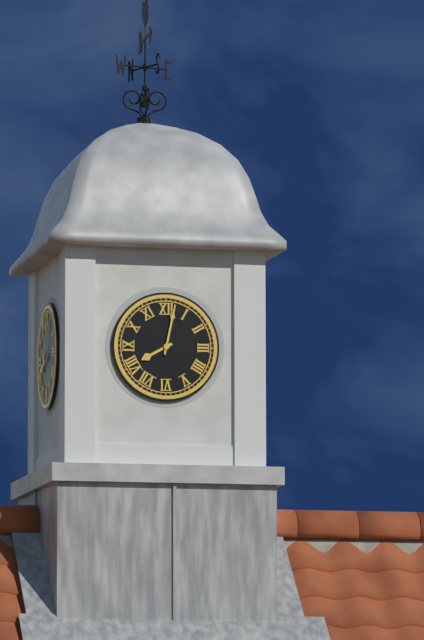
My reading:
**8:02**
